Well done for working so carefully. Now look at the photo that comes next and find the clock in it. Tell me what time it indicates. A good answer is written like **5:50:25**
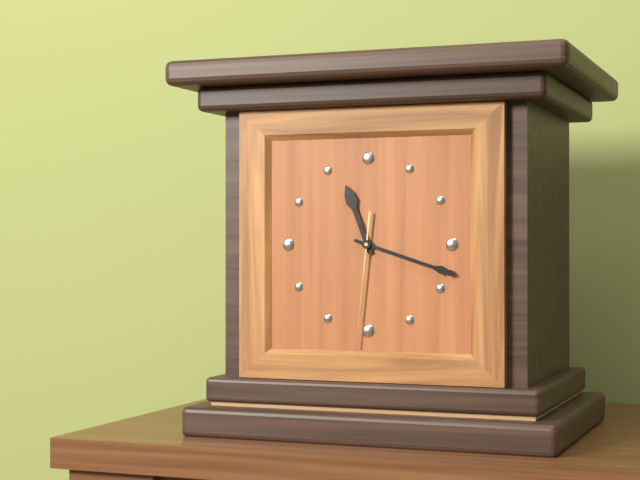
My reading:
**11:18:31**
